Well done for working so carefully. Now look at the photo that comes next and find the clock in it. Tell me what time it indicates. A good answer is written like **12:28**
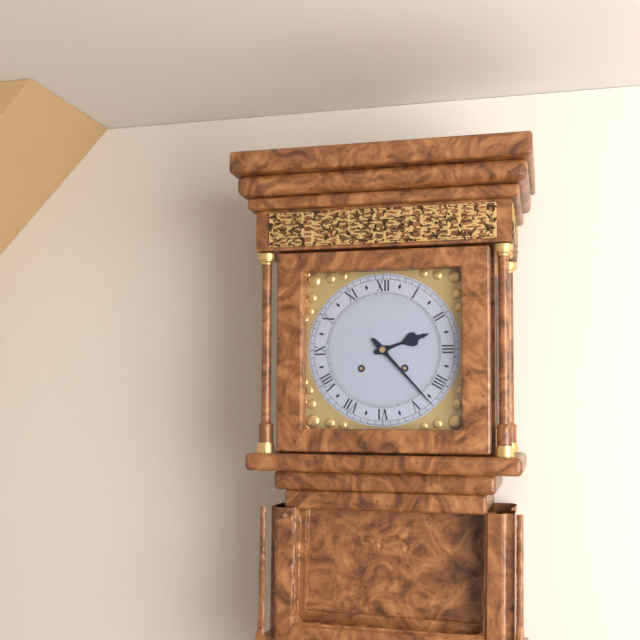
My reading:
**2:23**
